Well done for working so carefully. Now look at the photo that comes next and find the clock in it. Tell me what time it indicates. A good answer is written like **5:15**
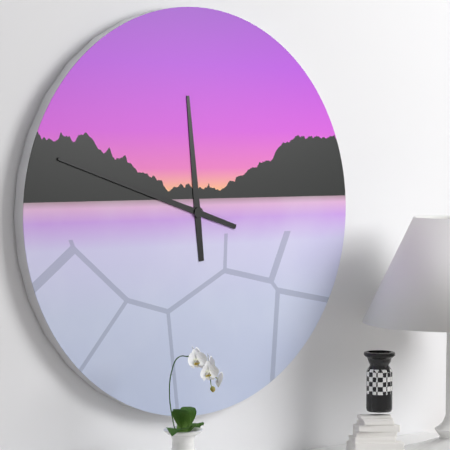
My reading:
**11:48**
